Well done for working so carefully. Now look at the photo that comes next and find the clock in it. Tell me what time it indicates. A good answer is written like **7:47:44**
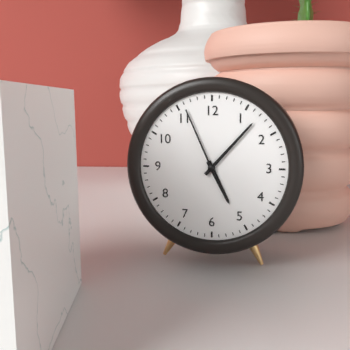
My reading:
**5:07:56**
